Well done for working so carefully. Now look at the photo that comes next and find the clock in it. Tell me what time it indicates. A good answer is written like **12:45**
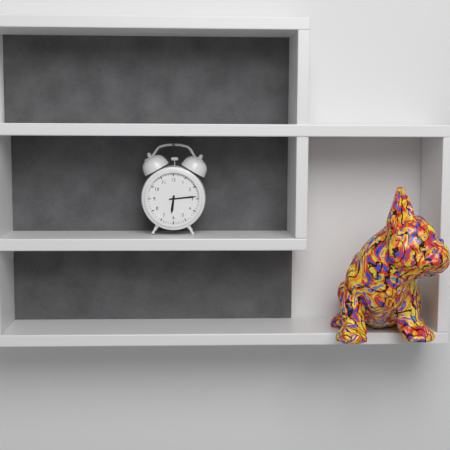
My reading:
**6:14**
